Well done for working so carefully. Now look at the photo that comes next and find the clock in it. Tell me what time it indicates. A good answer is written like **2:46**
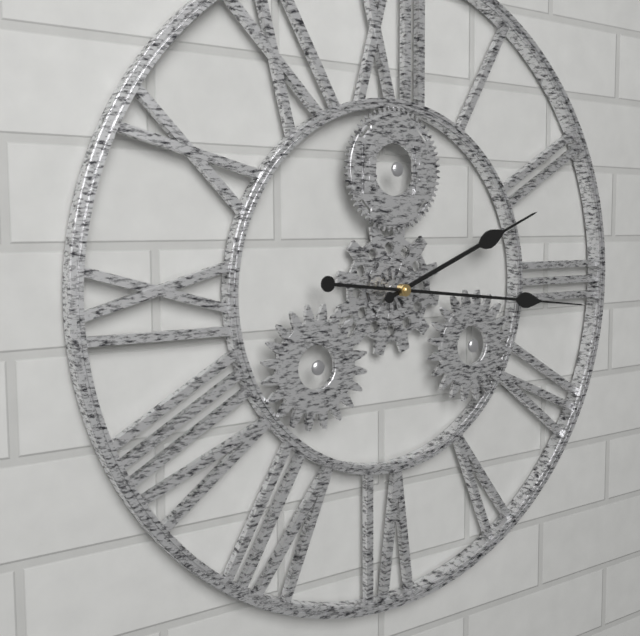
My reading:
**2:16**
